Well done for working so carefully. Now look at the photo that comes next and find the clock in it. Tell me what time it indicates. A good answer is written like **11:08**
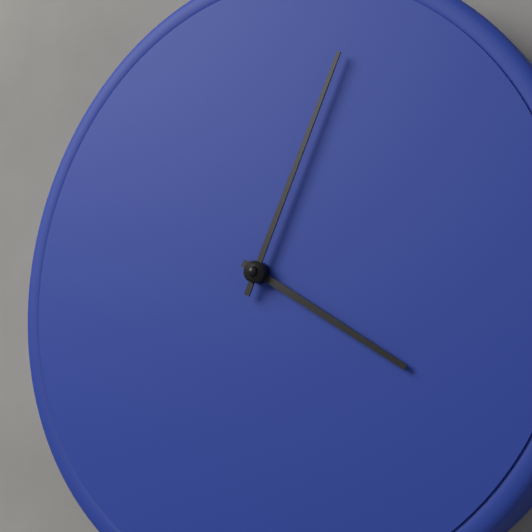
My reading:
**4:04**
